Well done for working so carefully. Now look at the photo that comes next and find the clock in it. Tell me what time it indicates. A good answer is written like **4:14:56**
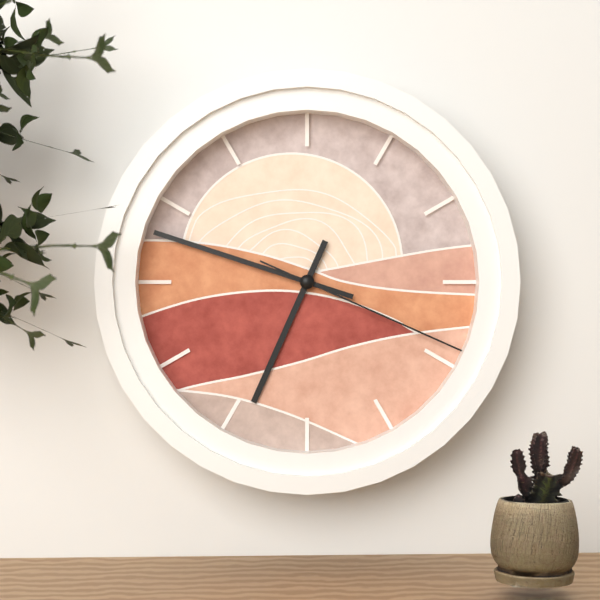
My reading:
**6:48:19**
